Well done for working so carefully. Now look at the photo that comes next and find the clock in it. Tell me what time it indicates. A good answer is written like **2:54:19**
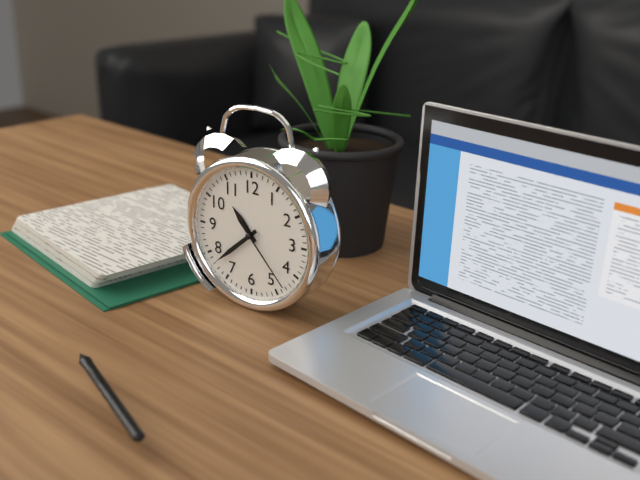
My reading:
**10:38:23**
